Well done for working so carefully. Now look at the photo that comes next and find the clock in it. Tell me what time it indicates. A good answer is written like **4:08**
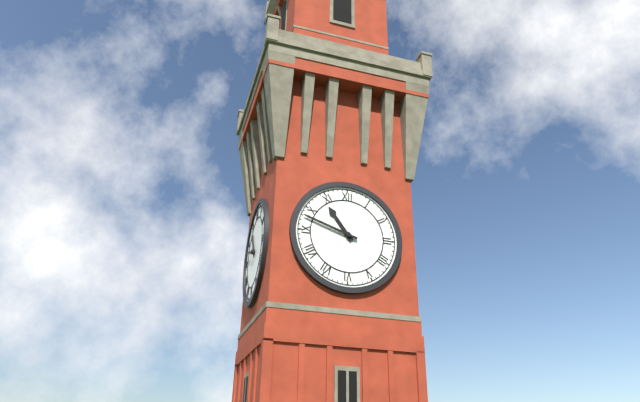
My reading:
**10:48**
